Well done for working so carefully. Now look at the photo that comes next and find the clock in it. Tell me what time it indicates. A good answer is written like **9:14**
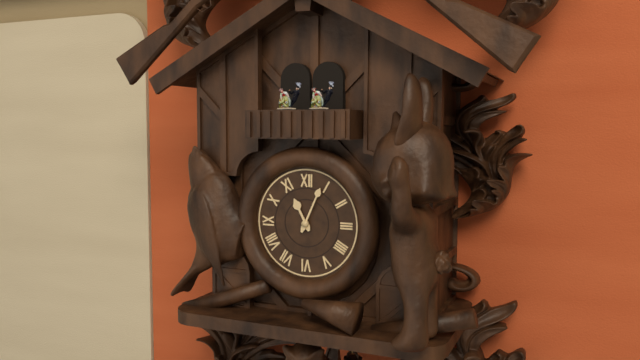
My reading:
**11:04**
